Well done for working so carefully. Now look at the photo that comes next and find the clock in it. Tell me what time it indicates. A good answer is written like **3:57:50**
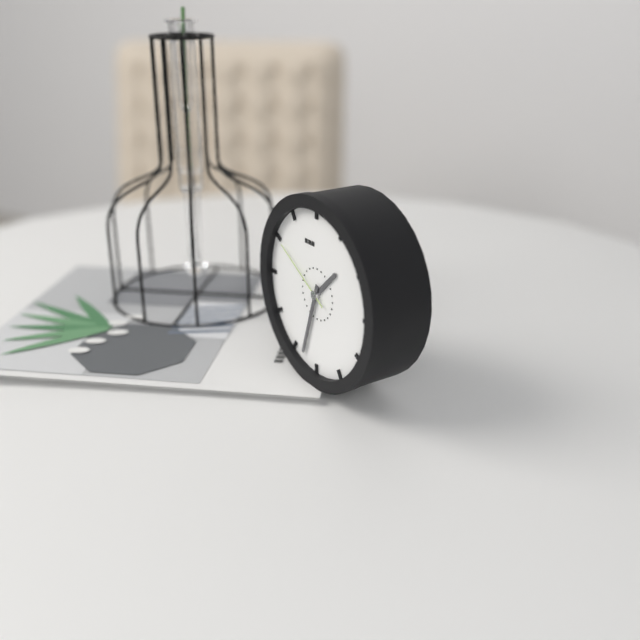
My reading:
**1:33:50**
